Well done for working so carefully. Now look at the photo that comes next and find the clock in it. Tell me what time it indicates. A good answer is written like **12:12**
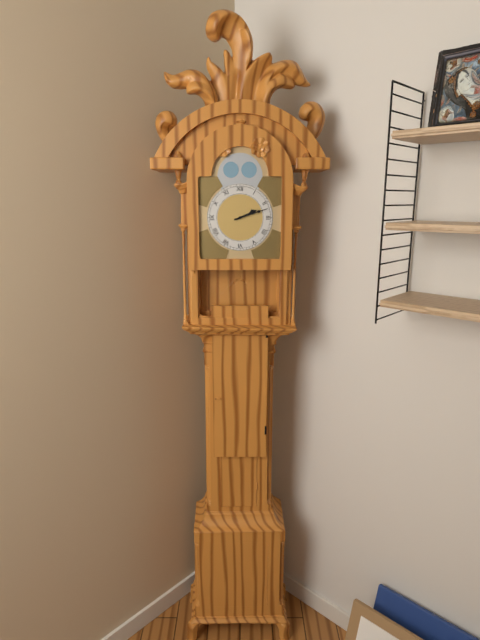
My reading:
**2:12**
